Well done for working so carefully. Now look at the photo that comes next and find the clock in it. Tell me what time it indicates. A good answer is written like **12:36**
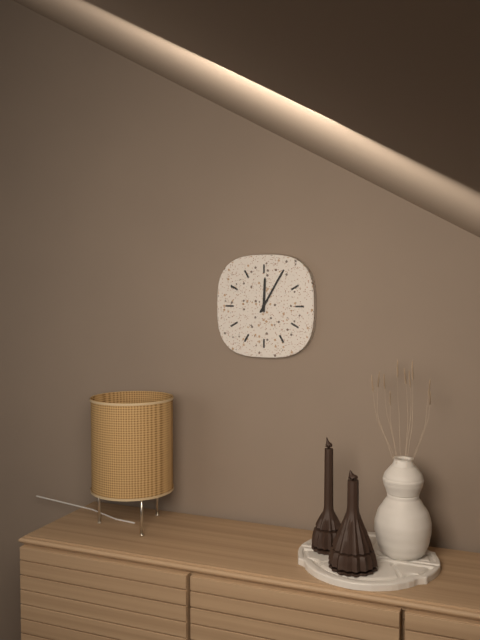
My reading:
**12:05**
